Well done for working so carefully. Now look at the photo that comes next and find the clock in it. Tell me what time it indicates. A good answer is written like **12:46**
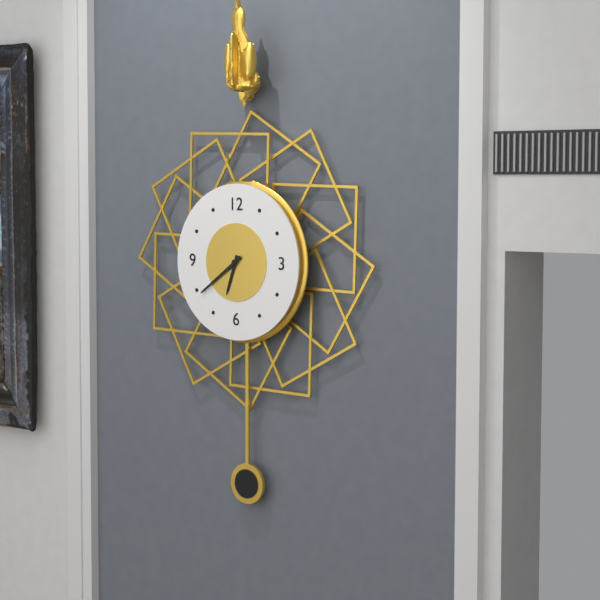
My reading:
**6:39**
